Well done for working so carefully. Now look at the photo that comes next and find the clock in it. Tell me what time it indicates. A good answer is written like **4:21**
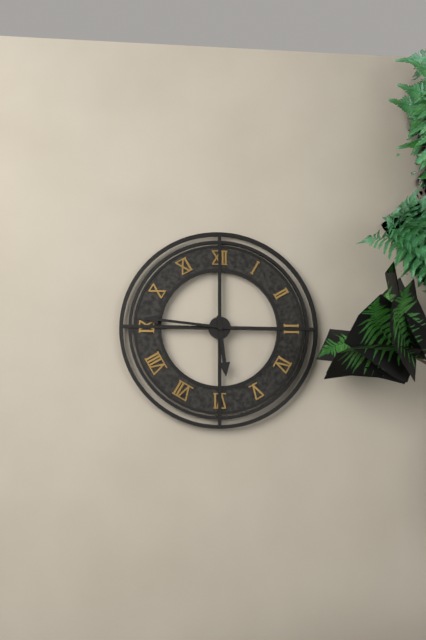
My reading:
**5:46**
